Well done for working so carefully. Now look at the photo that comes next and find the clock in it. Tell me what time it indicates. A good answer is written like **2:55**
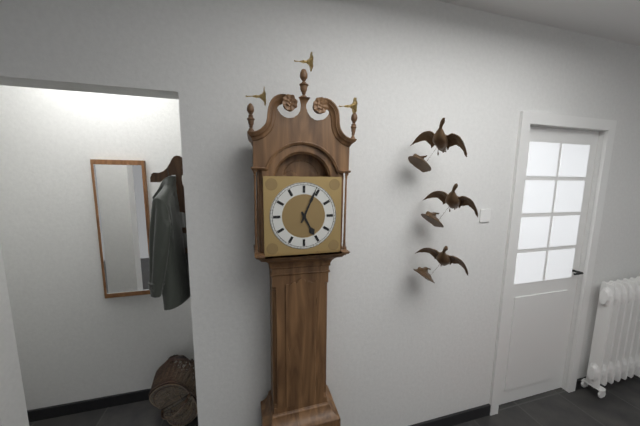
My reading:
**5:04**
